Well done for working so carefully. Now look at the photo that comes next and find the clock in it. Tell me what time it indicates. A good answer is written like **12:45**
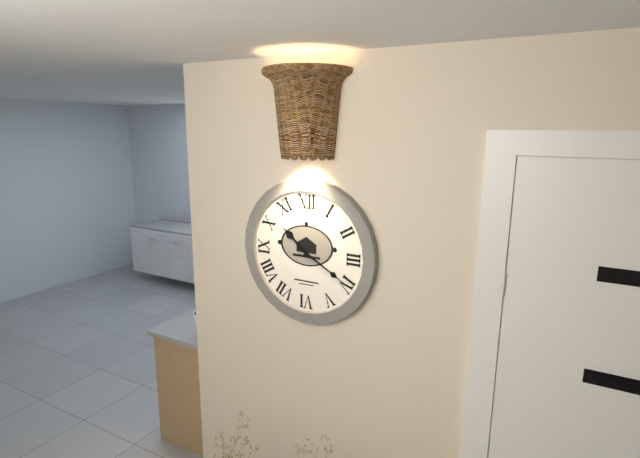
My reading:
**10:20**
